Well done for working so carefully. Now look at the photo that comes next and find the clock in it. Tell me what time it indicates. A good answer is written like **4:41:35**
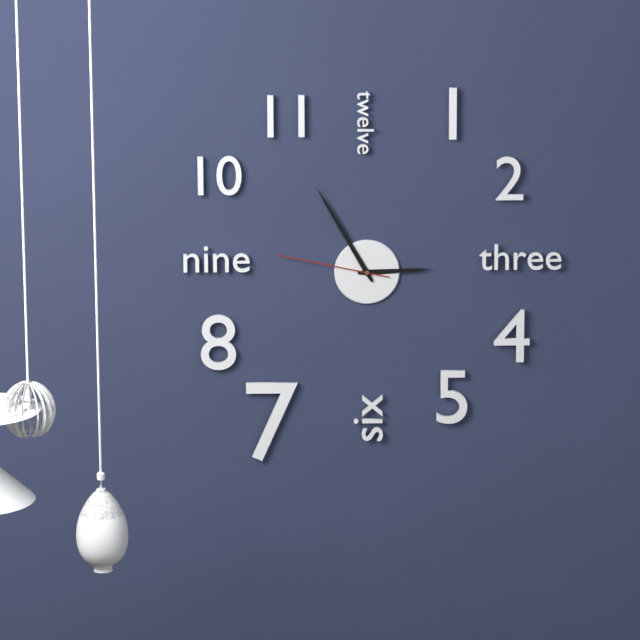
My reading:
**2:55:47**
